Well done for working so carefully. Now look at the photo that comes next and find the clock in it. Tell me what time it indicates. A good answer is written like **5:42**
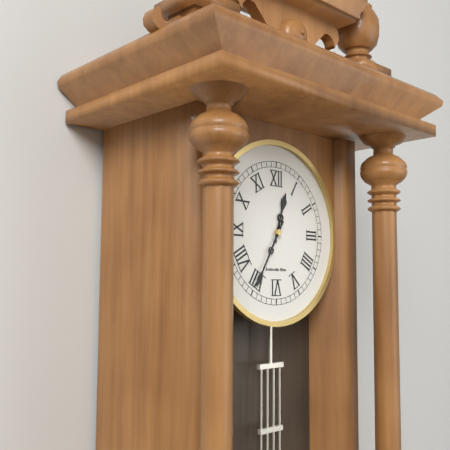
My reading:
**12:35**
